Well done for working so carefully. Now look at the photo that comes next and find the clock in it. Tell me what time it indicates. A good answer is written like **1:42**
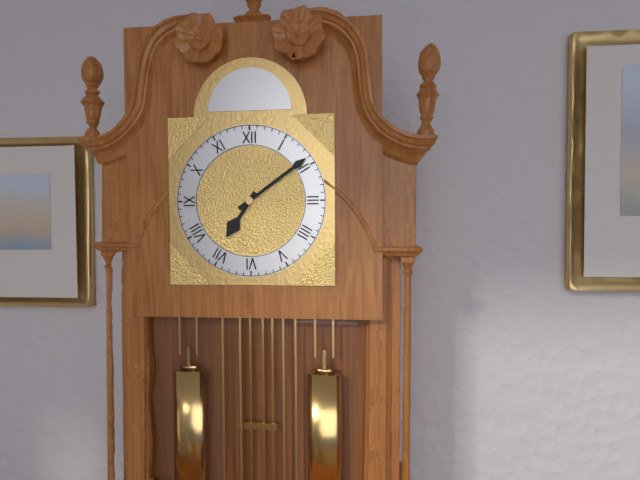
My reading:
**7:09**
